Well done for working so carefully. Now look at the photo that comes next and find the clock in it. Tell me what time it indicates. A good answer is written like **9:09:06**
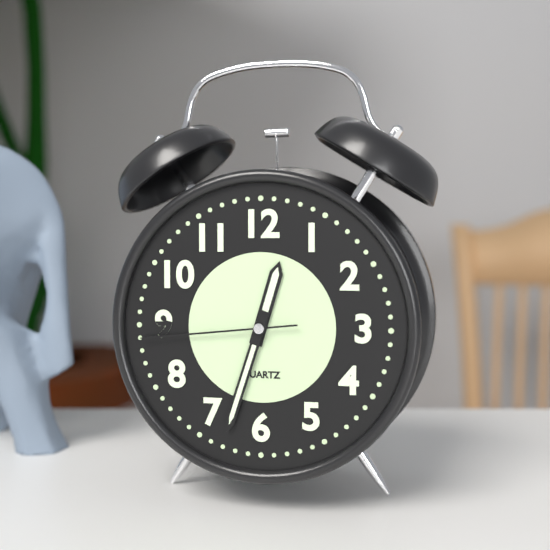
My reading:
**12:33:44**
